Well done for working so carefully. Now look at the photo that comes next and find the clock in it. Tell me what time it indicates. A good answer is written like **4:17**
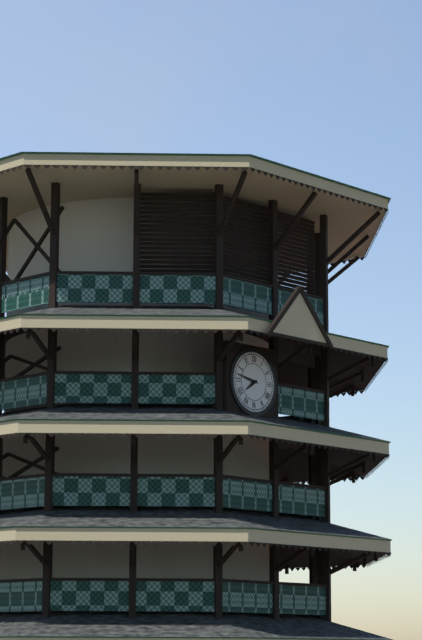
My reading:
**7:47**
